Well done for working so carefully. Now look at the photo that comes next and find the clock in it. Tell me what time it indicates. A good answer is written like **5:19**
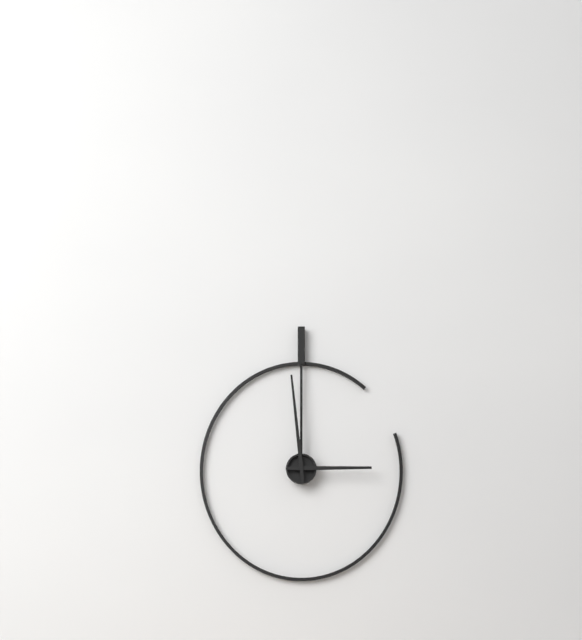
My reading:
**2:59**
